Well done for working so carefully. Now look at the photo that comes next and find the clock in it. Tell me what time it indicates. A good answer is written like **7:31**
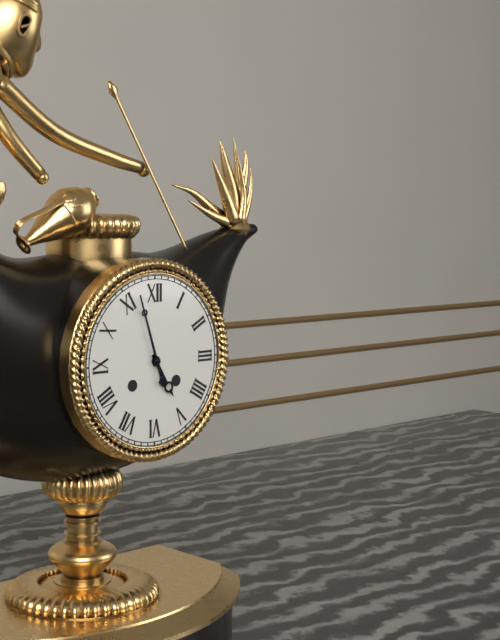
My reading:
**4:57**
